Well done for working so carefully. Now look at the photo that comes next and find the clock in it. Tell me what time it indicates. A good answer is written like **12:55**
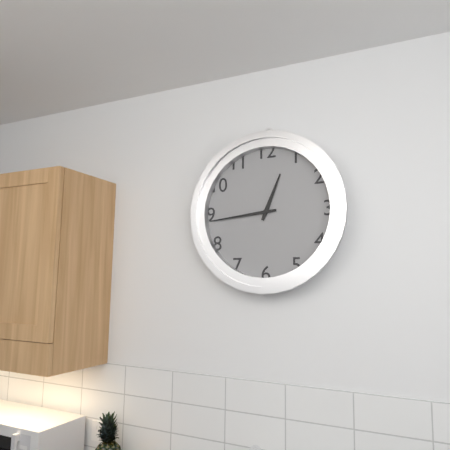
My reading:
**12:44**
